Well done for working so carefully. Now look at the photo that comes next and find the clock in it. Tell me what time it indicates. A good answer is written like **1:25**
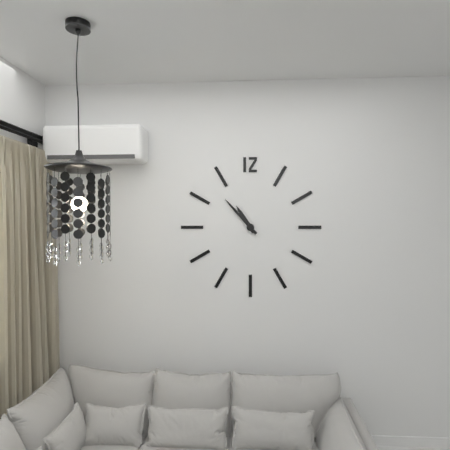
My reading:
**10:53**
